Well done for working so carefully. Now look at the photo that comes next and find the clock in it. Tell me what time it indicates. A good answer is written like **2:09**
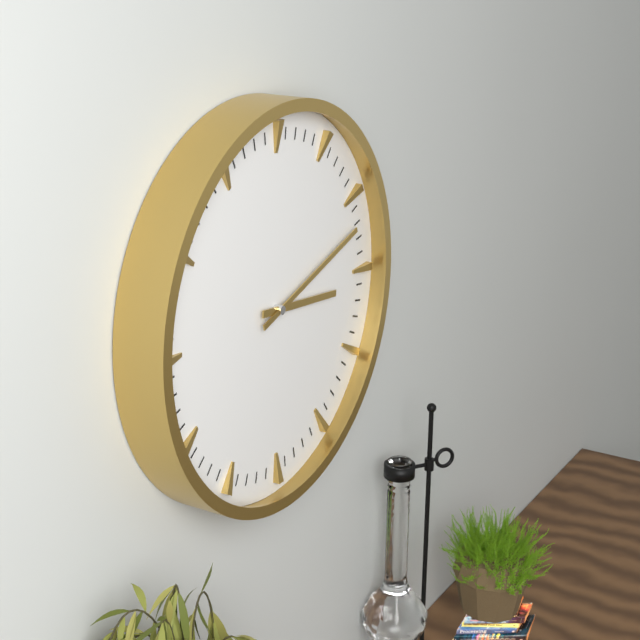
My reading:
**3:12**
